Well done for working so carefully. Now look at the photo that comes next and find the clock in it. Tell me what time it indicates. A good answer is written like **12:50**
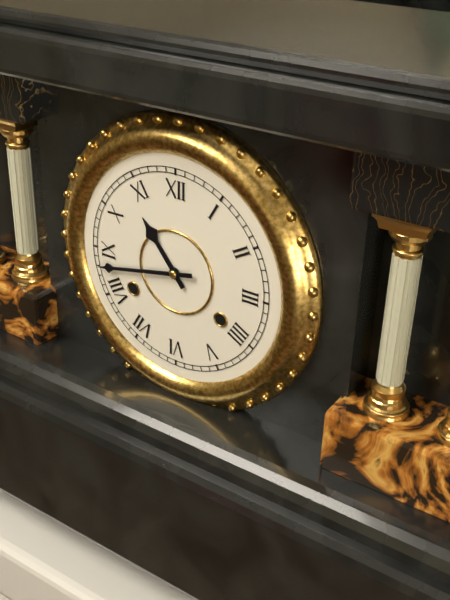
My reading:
**10:43**
